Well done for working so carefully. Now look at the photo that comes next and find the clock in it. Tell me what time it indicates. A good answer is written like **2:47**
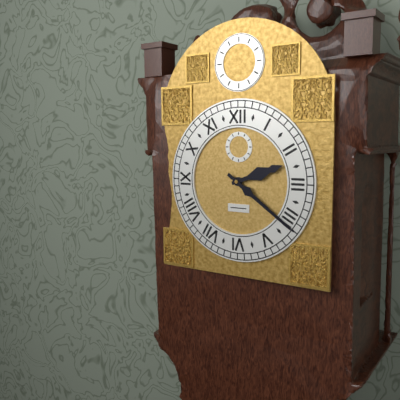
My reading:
**2:21**
